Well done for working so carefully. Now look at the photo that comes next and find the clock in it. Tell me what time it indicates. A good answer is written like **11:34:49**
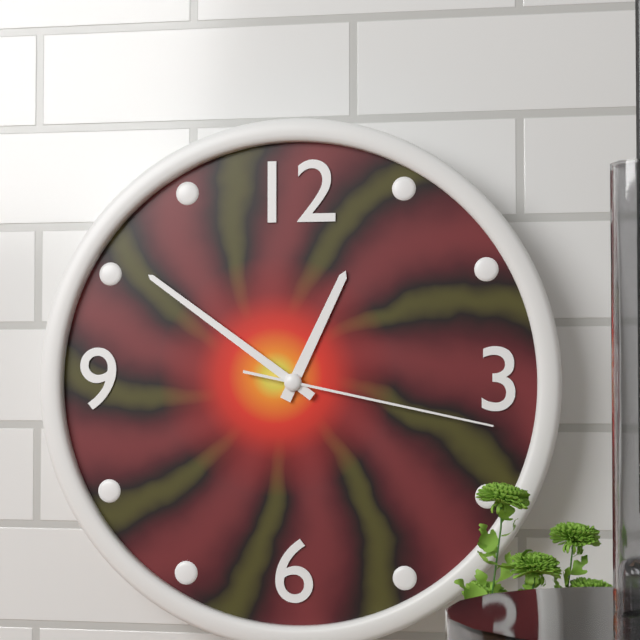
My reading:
**12:51:17**
